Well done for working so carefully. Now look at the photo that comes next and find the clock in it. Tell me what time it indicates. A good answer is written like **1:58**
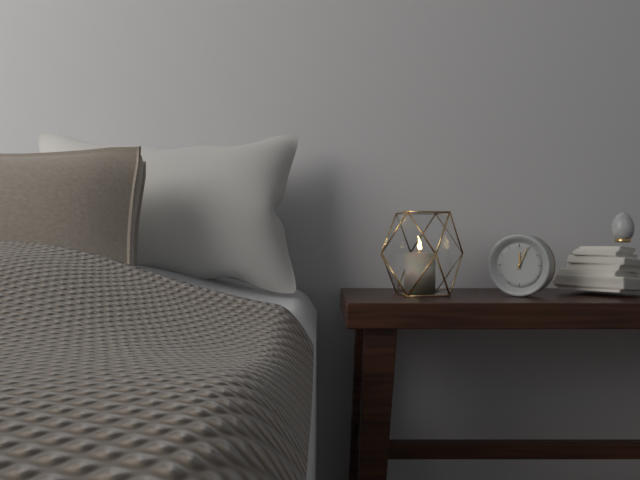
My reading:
**12:04**
